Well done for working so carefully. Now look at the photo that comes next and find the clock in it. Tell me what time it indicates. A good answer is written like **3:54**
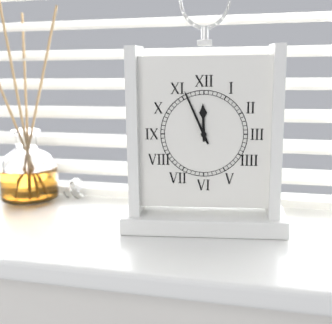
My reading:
**11:56**
